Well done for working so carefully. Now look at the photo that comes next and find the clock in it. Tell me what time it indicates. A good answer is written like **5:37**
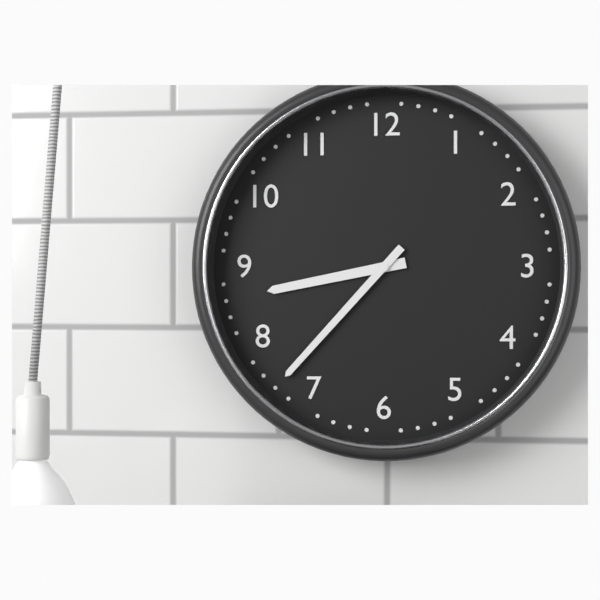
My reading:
**8:37**
